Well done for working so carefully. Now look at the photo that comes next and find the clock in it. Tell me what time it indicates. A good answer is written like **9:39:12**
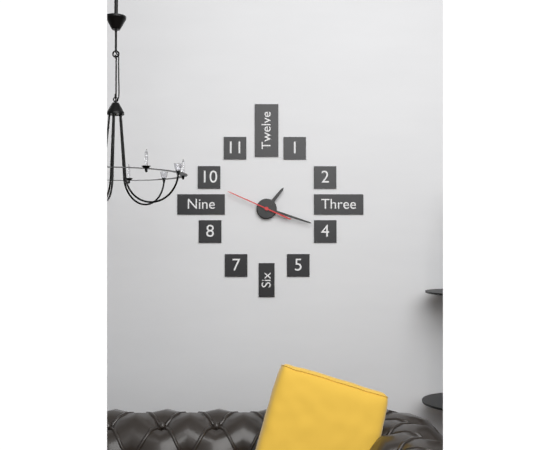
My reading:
**1:18:49**
